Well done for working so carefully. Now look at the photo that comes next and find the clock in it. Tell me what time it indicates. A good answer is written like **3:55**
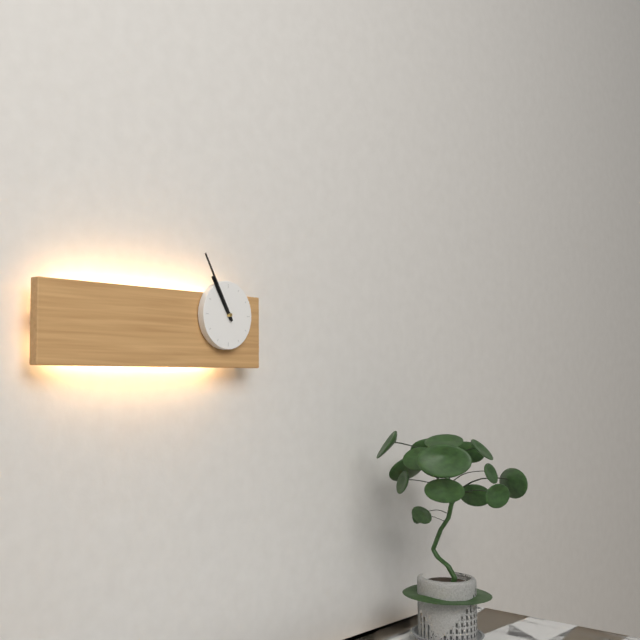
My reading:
**10:55**
